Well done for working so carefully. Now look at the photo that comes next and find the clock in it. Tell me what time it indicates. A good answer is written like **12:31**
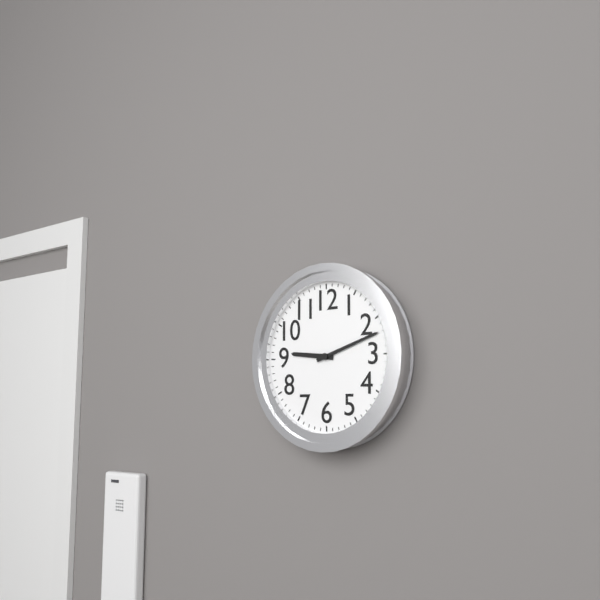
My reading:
**9:12**
